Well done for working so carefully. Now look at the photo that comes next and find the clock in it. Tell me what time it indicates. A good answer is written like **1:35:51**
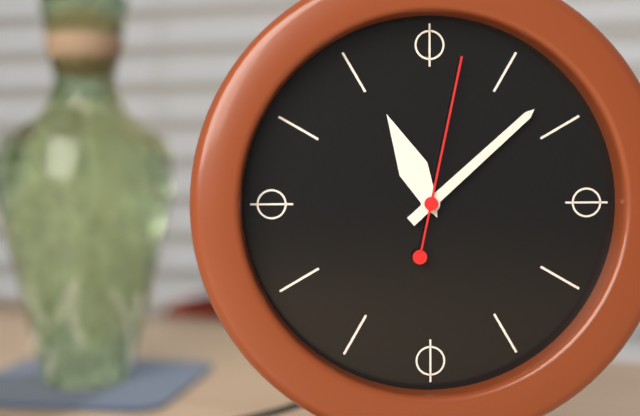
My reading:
**11:08:02**
